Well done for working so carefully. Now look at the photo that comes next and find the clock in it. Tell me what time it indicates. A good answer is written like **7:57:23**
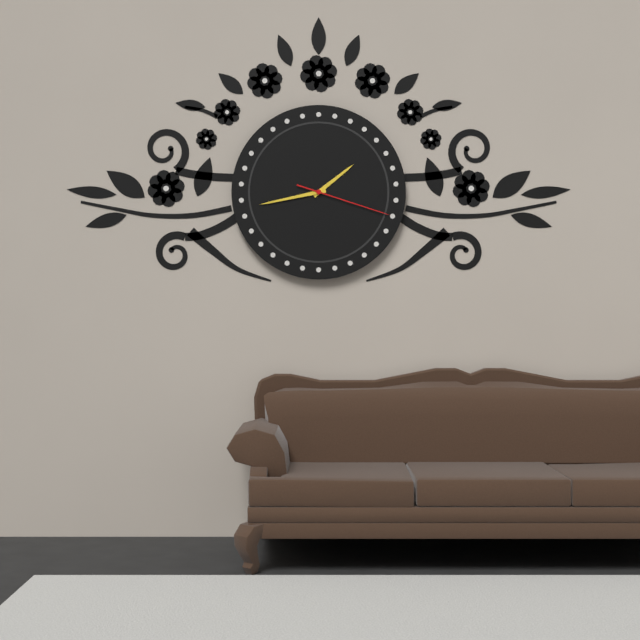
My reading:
**1:43:18**
